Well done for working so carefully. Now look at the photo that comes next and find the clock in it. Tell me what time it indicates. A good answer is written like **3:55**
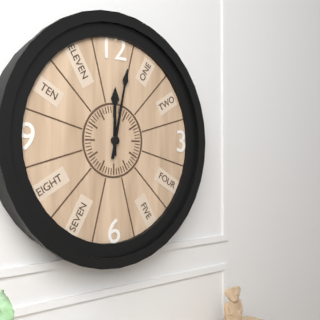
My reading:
**12:02**
